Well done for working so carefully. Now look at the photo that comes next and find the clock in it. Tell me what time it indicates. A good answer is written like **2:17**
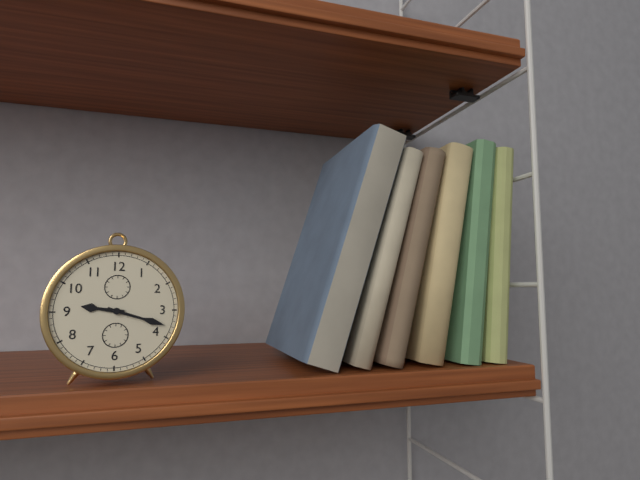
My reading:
**9:18**
